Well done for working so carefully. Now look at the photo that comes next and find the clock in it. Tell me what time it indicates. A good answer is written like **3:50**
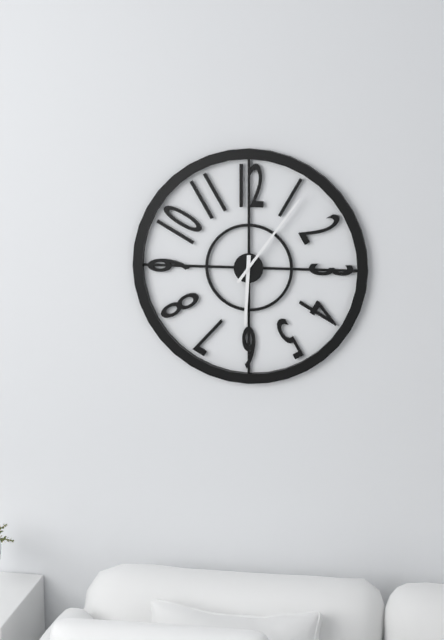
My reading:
**6:06**
